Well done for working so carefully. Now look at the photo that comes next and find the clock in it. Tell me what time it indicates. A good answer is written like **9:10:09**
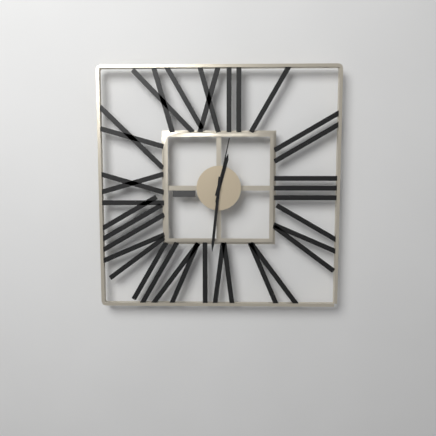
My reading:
**12:31:02**
